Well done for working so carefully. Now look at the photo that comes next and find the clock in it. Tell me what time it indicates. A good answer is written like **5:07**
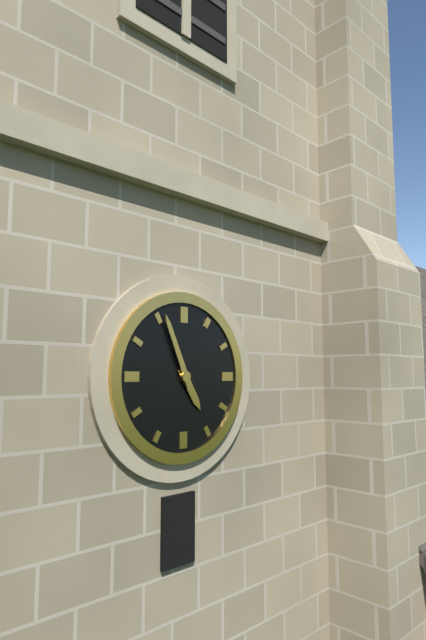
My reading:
**4:56**
